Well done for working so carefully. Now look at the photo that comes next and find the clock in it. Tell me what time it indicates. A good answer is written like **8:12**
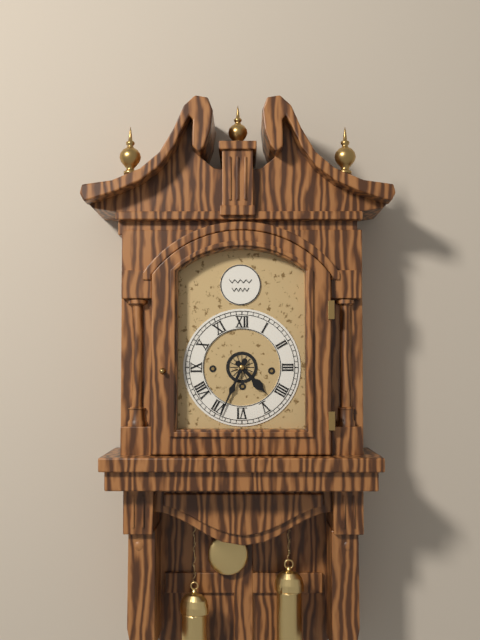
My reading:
**4:34**
